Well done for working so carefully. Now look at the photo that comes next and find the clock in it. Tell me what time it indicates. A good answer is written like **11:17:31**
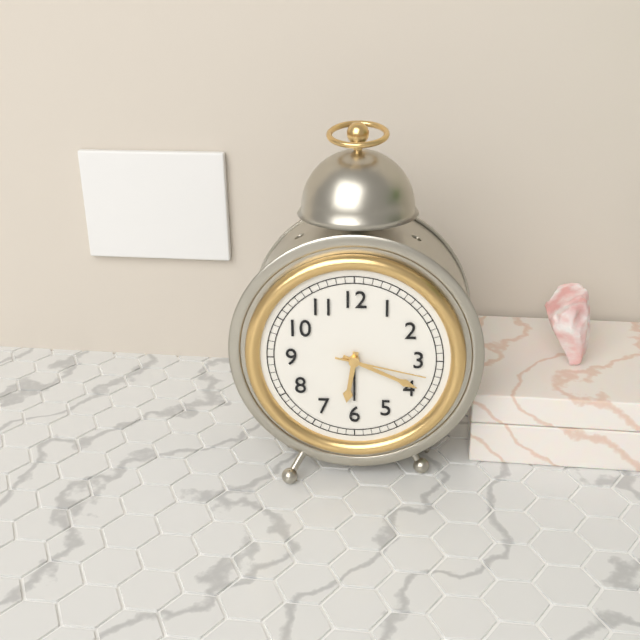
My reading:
**6:19:17**
